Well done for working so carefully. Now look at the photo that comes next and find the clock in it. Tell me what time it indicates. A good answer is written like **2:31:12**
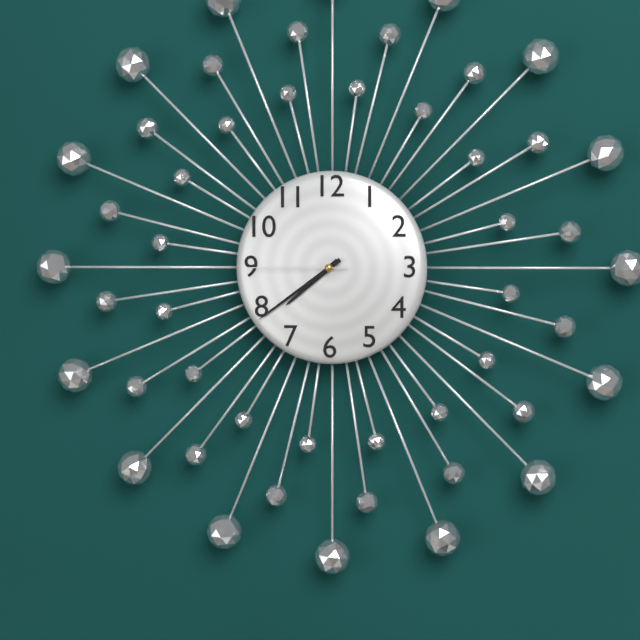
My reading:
**7:39:45**
